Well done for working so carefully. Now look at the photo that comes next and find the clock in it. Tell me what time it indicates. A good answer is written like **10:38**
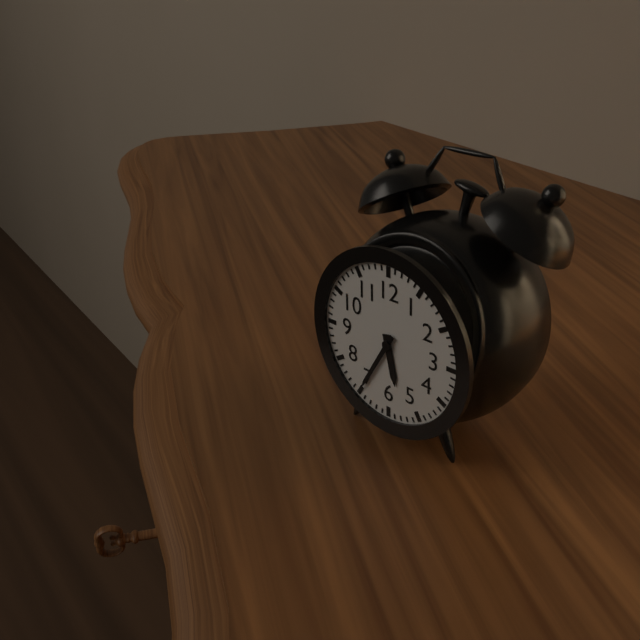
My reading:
**5:35**
